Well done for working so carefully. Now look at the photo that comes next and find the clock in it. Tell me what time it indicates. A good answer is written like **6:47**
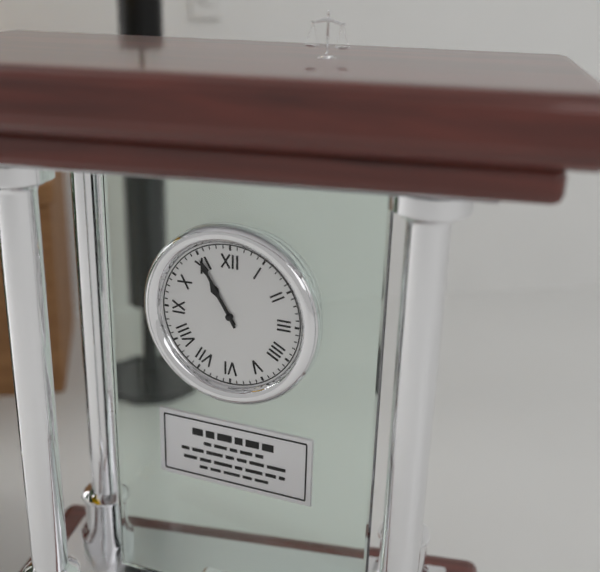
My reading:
**10:55**
